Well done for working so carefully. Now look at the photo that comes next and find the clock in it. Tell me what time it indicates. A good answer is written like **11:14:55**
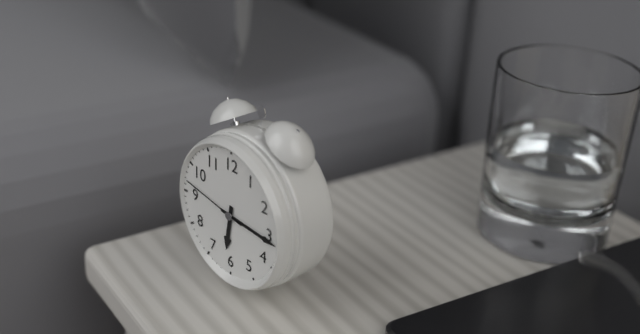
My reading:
**6:16:47**
